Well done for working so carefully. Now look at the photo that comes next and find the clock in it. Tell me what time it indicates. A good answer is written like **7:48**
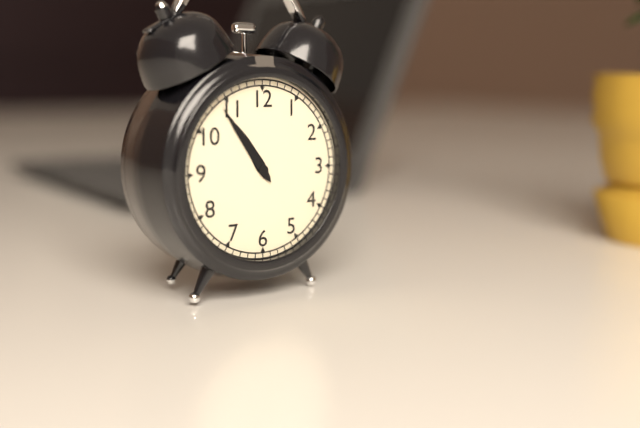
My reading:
**10:54**
